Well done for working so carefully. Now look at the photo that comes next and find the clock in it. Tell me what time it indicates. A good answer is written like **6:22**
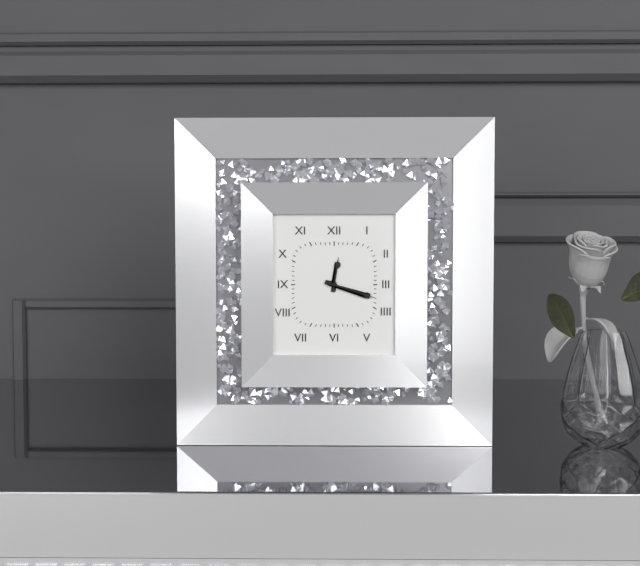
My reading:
**12:18**
